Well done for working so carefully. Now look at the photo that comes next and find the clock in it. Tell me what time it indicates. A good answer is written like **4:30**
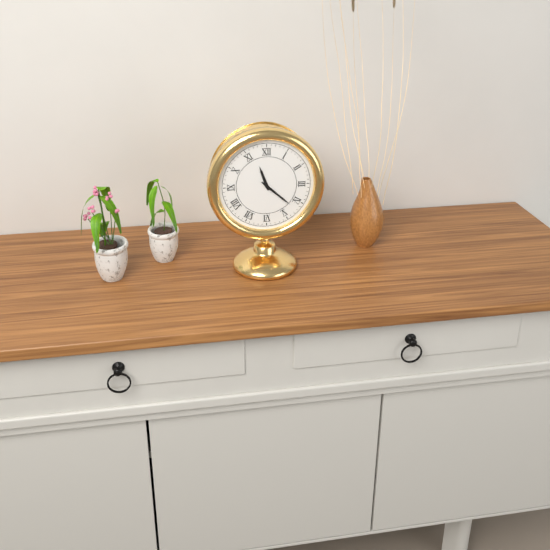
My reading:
**11:22**
